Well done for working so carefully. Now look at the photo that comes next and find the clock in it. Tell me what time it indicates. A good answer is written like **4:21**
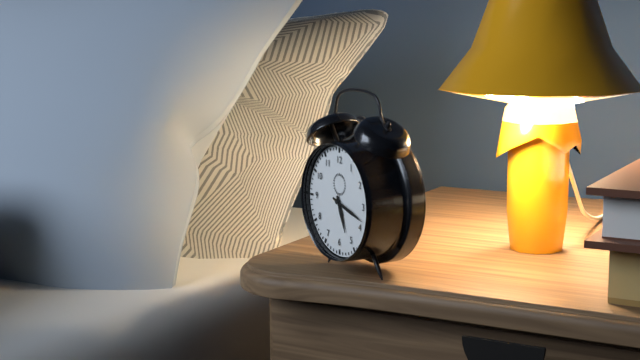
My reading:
**5:18**
